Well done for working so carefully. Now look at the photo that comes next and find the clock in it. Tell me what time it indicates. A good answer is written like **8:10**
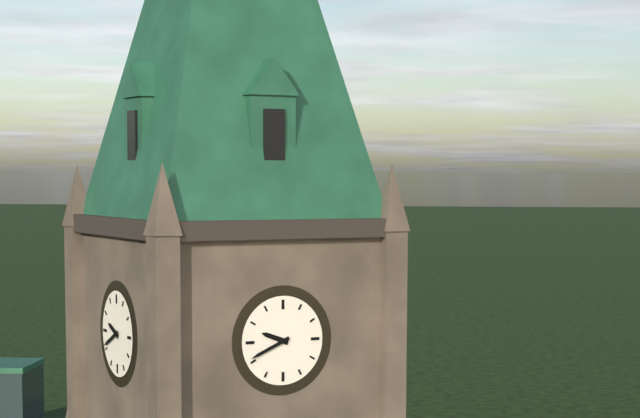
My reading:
**9:41**
